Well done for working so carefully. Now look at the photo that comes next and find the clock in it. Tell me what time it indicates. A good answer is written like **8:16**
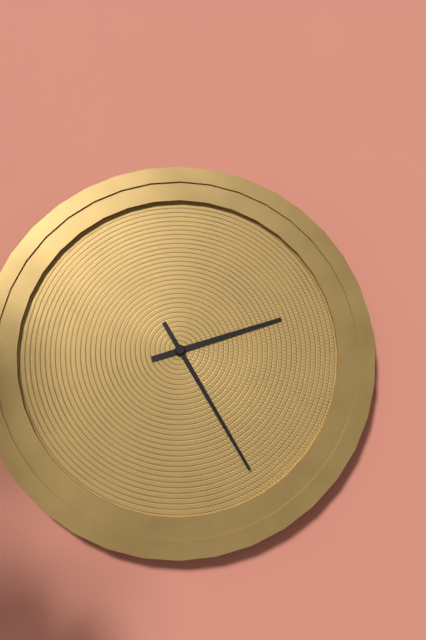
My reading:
**2:25**
